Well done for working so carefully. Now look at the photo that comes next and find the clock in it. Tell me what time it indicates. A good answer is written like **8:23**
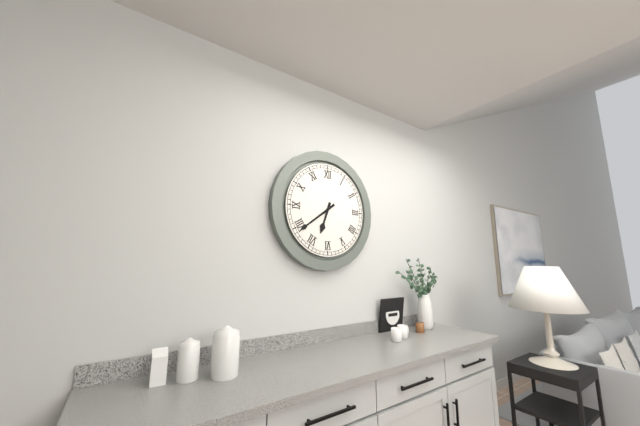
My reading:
**6:39**
